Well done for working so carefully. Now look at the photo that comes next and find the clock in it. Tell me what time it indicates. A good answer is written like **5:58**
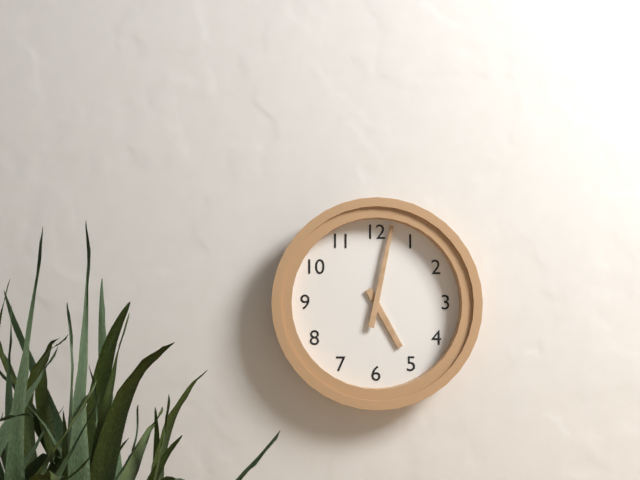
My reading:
**5:02**
